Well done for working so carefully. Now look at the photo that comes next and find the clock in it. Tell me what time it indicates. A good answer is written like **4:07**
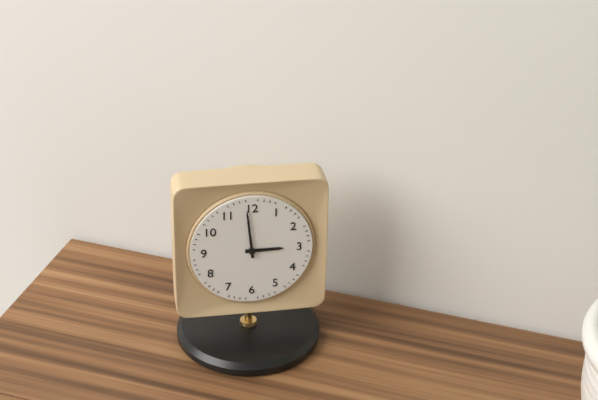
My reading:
**2:59**
